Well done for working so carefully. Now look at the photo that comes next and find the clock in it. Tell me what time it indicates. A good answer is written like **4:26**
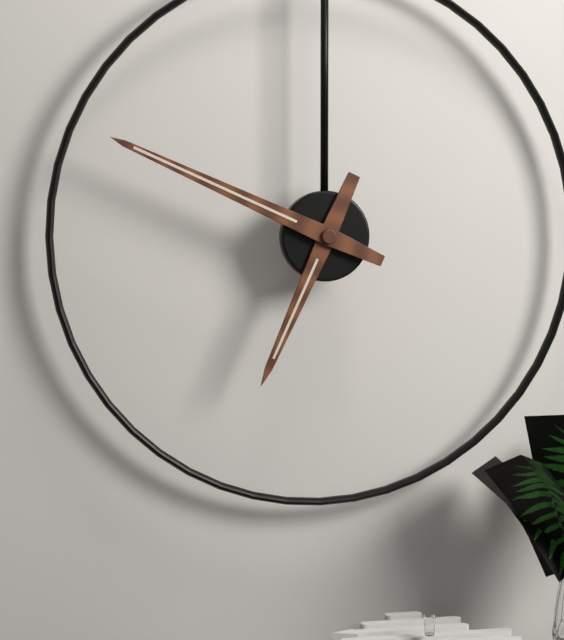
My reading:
**6:49**
